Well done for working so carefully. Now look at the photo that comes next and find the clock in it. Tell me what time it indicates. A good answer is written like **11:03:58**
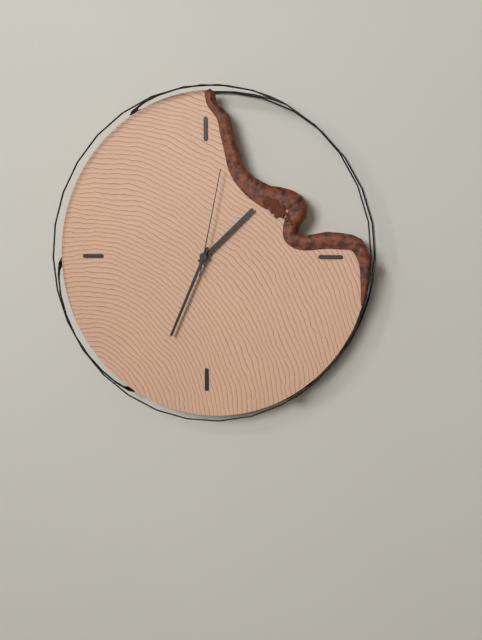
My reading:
**1:34:02**
